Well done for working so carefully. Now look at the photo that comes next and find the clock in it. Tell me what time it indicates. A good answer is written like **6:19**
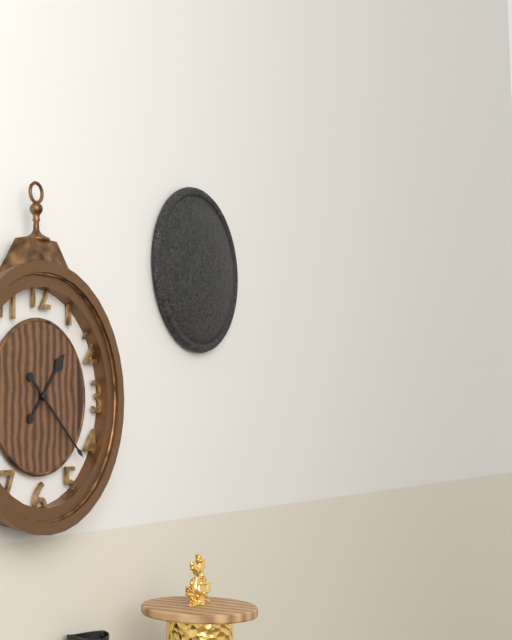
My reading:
**1:22**
